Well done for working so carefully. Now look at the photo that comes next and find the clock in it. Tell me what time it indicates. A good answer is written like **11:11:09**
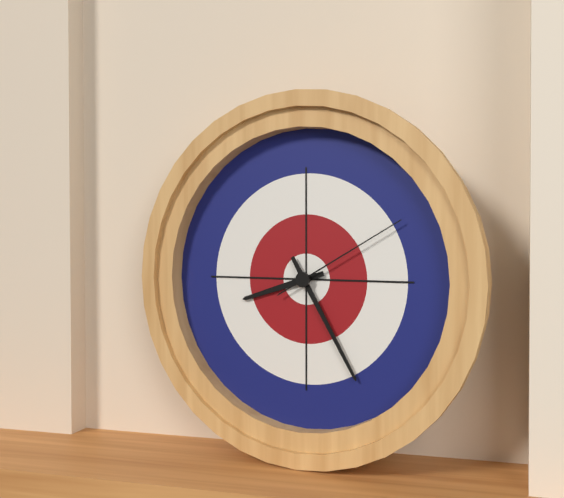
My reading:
**8:25:10**
